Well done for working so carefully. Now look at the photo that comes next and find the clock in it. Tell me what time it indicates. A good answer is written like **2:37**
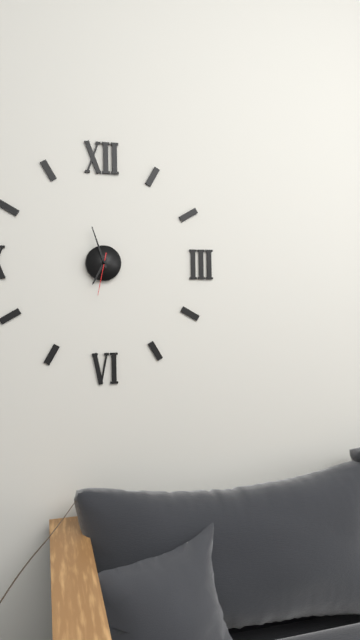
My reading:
**6:57**
